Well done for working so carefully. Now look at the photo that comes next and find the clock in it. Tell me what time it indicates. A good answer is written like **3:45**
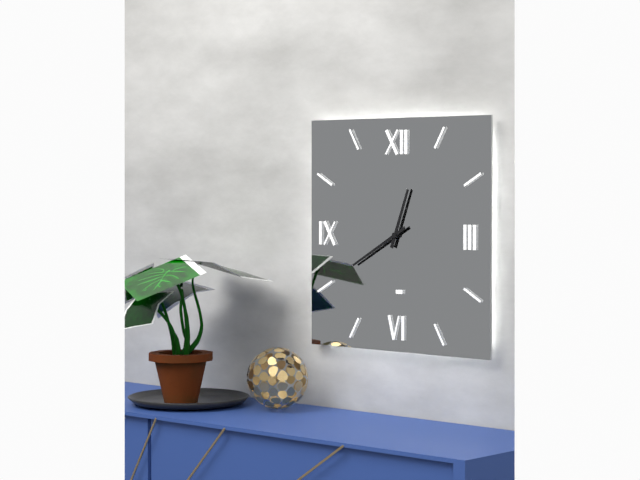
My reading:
**12:40**
